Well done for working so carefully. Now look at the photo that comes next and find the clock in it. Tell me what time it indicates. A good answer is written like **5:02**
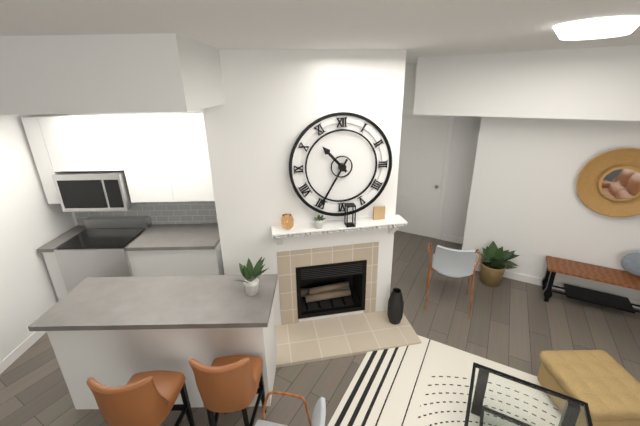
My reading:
**10:35**
